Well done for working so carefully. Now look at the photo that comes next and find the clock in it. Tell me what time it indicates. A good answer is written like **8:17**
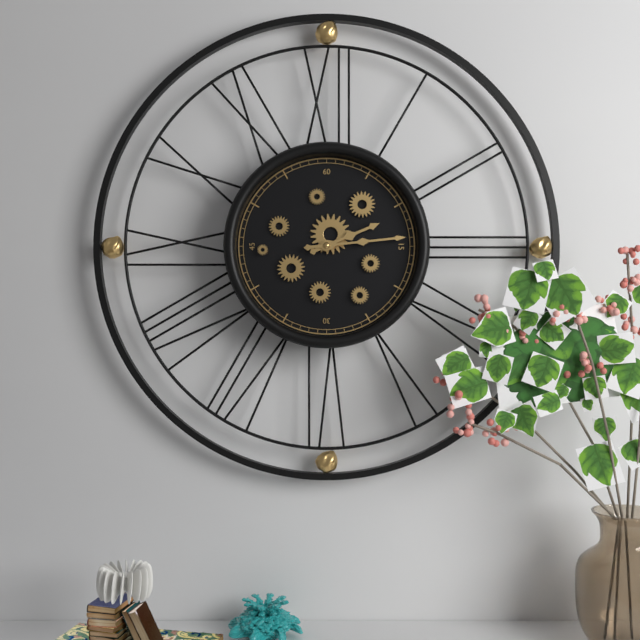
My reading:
**2:14**
